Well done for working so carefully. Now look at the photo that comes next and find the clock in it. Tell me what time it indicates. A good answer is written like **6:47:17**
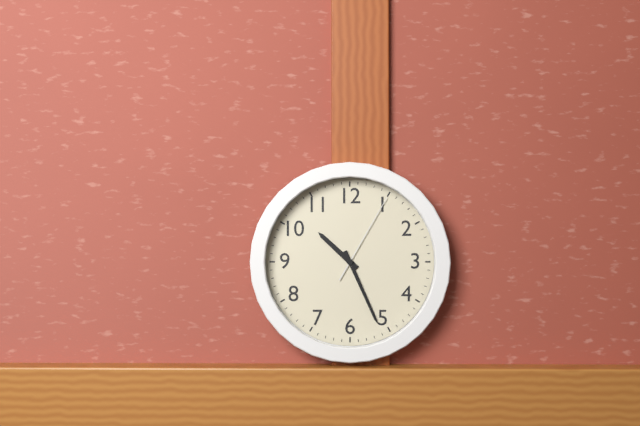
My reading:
**10:26:05**
